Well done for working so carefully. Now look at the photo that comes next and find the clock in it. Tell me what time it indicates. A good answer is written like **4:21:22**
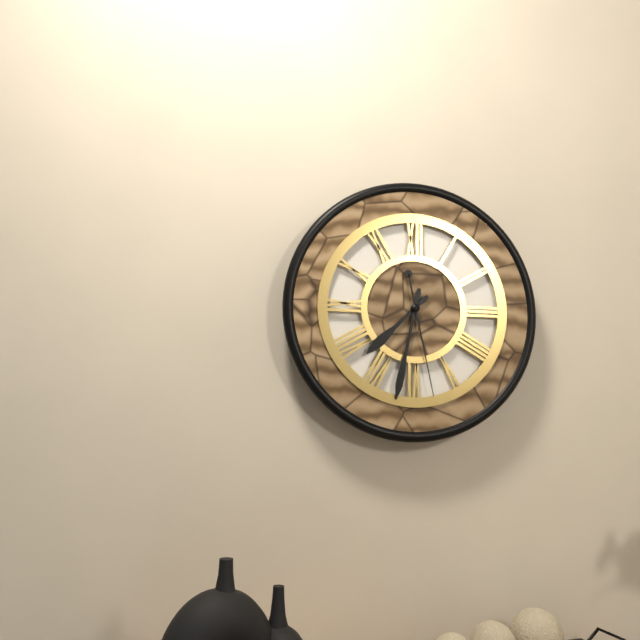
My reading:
**7:32:28**
